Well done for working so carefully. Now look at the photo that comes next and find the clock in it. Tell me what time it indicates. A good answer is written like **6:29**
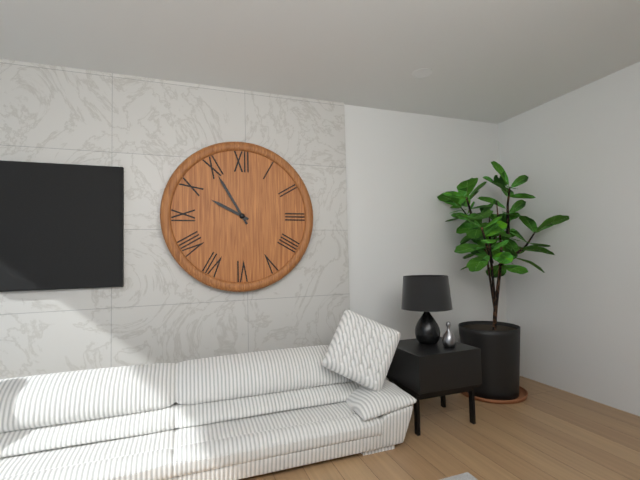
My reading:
**9:55**
